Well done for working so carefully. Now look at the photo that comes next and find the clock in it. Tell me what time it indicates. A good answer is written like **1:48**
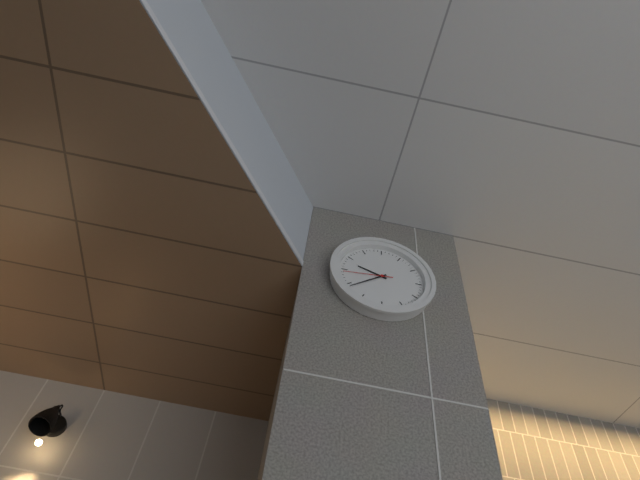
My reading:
**9:39**
